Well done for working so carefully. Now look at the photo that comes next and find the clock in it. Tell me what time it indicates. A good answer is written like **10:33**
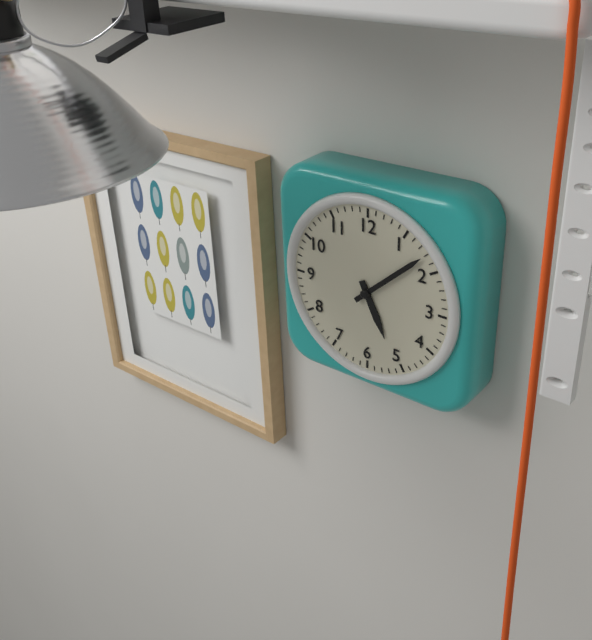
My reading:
**5:08**
